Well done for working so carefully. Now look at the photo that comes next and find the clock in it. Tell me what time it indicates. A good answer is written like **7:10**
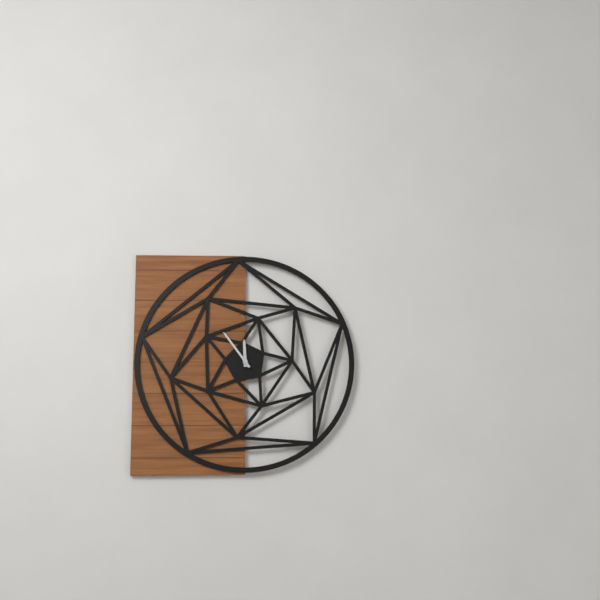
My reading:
**11:54**
